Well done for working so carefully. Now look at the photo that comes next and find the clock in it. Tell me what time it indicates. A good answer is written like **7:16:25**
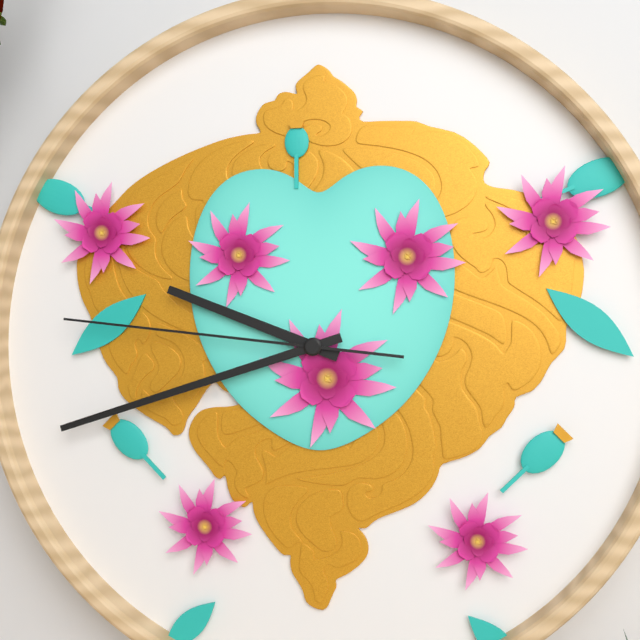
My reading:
**9:42:46**
